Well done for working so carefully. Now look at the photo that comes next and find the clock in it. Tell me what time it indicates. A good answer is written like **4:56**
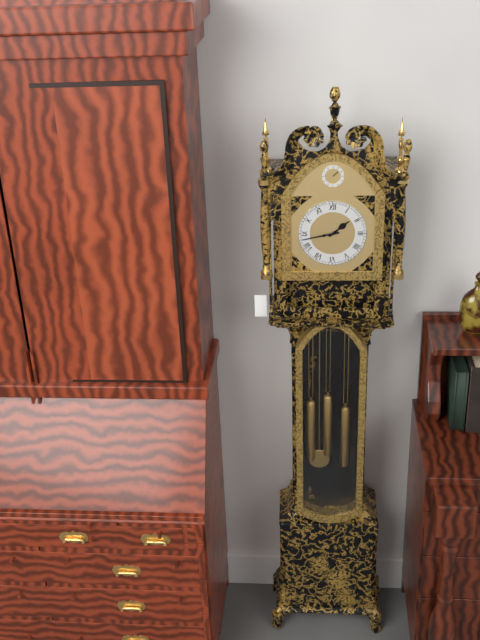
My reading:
**1:43**
